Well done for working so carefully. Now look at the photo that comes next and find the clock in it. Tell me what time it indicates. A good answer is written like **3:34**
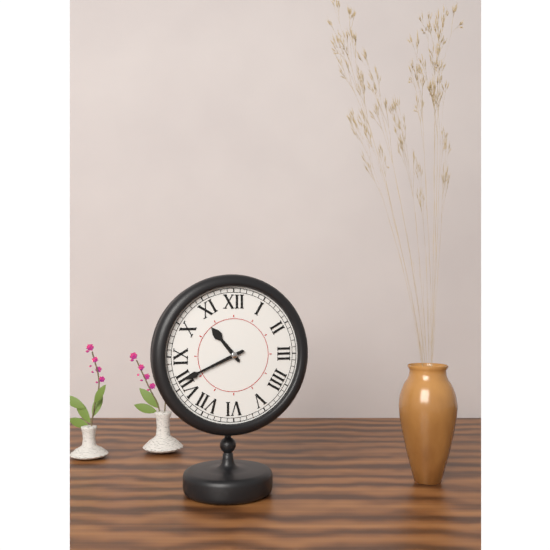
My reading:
**10:41**
